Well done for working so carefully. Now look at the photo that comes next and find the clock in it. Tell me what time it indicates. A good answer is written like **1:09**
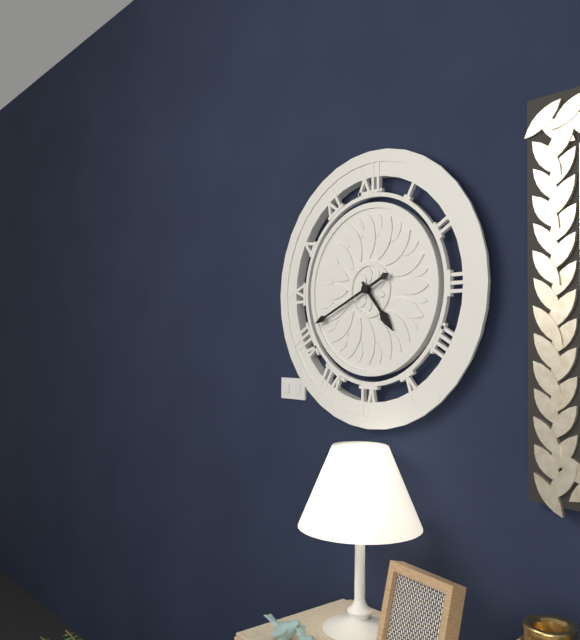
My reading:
**4:41**
